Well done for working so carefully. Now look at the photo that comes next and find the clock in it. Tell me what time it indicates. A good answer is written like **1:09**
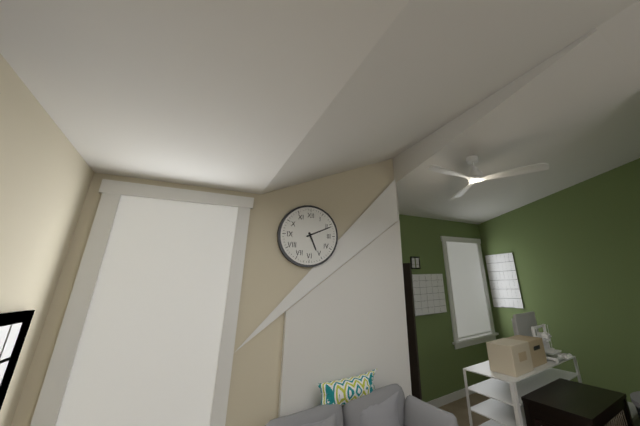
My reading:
**5:11**
